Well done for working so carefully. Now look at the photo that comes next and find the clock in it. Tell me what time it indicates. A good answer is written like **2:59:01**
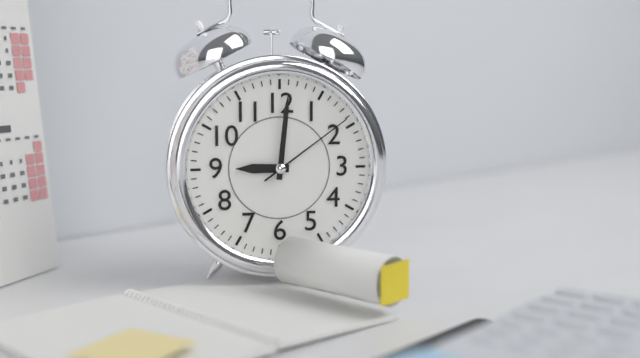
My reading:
**9:01:09**
